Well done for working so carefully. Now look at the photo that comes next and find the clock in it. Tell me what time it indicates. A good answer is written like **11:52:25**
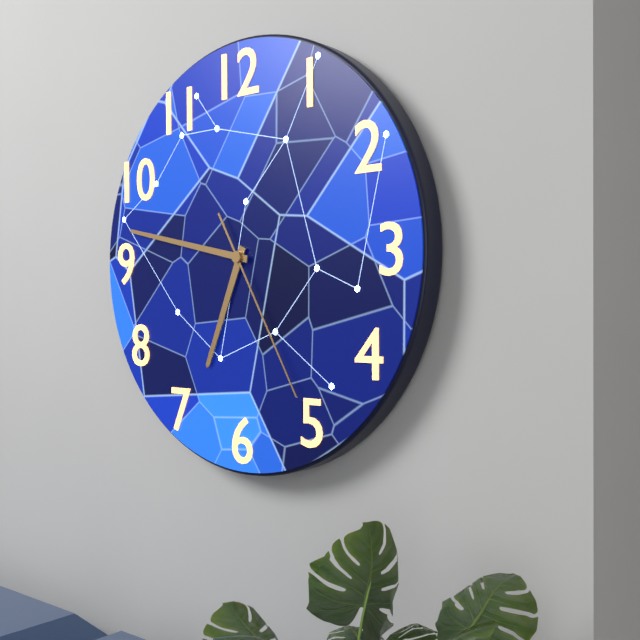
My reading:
**6:47:25**
